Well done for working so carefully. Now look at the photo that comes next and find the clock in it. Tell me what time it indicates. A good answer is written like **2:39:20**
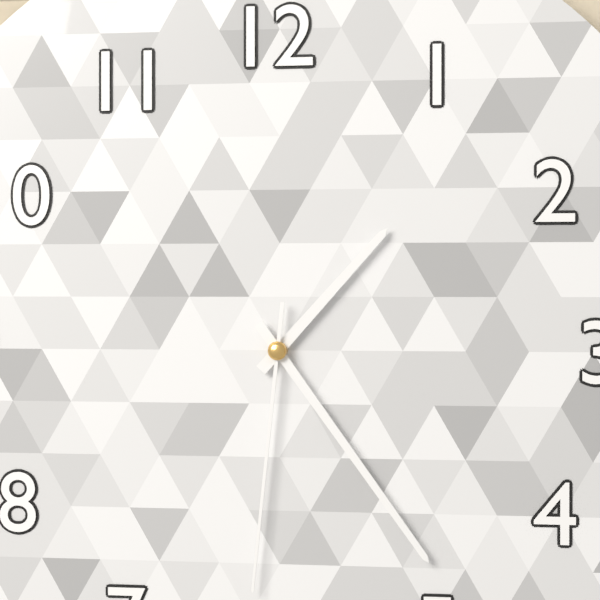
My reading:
**1:24:31**
